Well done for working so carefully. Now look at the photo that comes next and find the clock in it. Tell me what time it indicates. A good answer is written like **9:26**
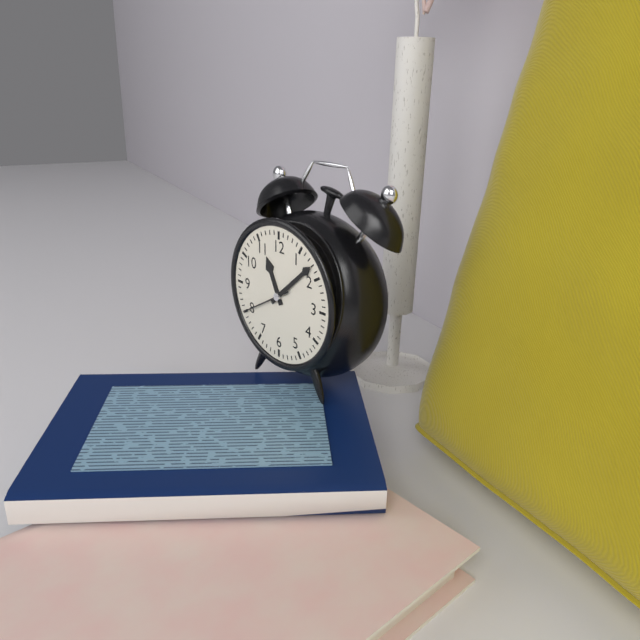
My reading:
**11:08**
